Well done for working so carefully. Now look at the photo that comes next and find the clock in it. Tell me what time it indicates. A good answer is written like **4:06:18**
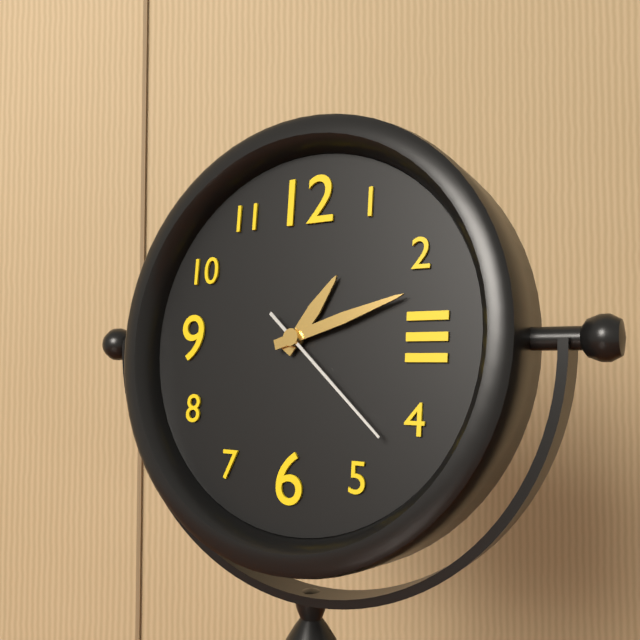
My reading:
**1:12:22**
